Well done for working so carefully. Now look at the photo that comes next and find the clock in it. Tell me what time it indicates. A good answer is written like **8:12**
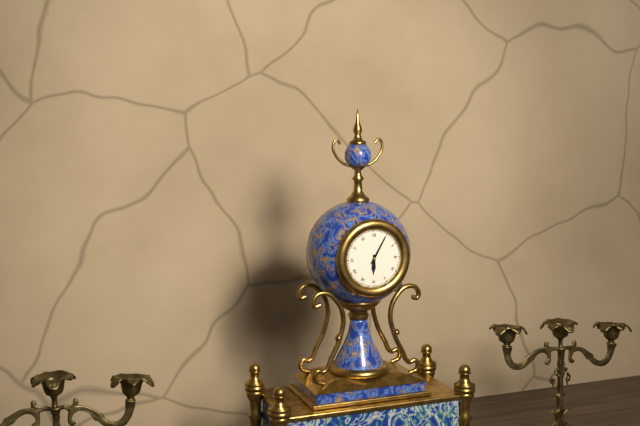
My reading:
**6:05**
